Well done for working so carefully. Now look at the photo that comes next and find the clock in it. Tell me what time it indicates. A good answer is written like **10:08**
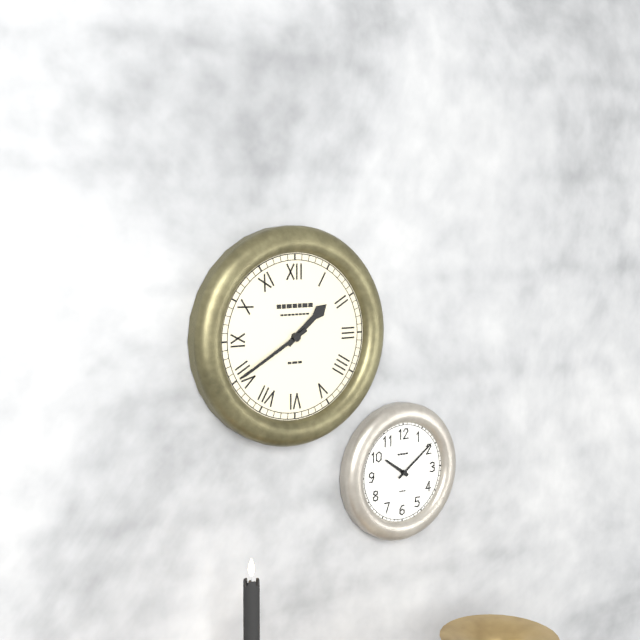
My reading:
**1:40**
